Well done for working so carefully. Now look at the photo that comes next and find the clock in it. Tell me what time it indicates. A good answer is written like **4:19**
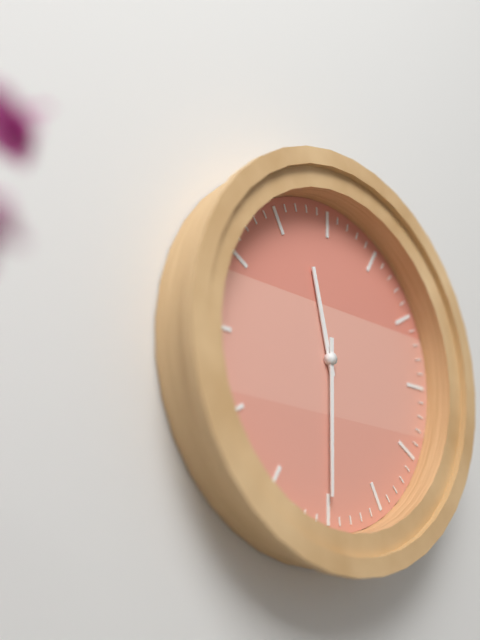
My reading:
**11:30**
